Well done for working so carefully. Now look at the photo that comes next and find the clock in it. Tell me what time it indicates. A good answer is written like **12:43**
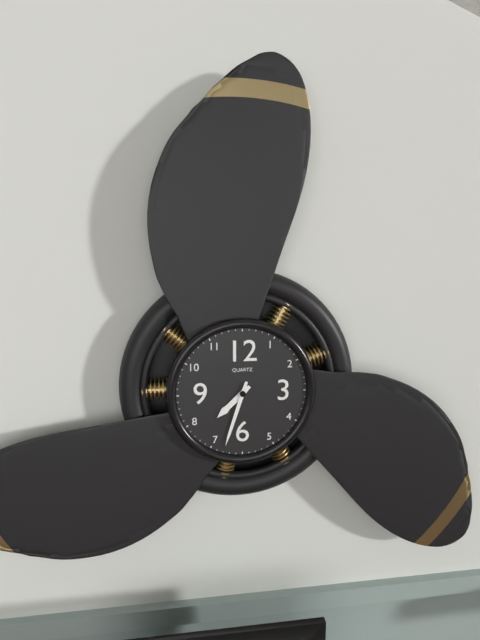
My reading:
**7:33**
